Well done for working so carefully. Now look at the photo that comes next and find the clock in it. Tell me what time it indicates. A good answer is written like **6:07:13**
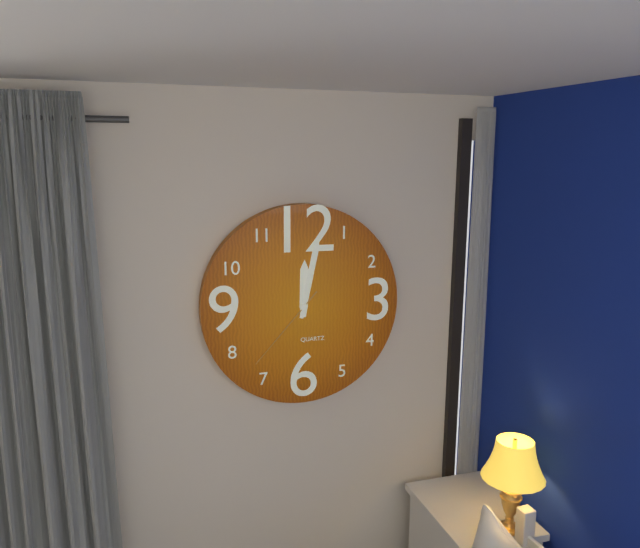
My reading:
**12:02:37**
